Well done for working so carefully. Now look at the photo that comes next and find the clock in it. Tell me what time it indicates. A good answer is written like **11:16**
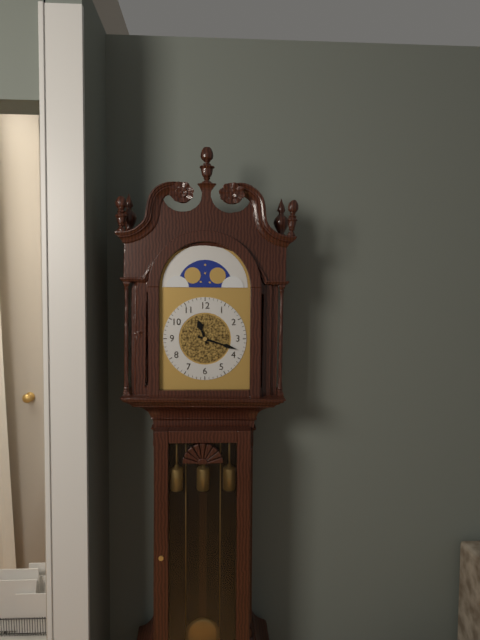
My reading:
**11:18**
